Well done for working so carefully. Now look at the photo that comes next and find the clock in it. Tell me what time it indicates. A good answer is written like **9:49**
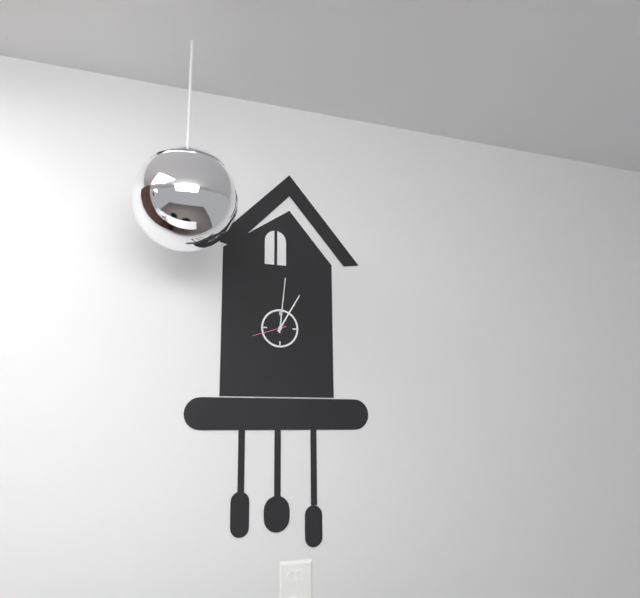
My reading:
**1:01**
